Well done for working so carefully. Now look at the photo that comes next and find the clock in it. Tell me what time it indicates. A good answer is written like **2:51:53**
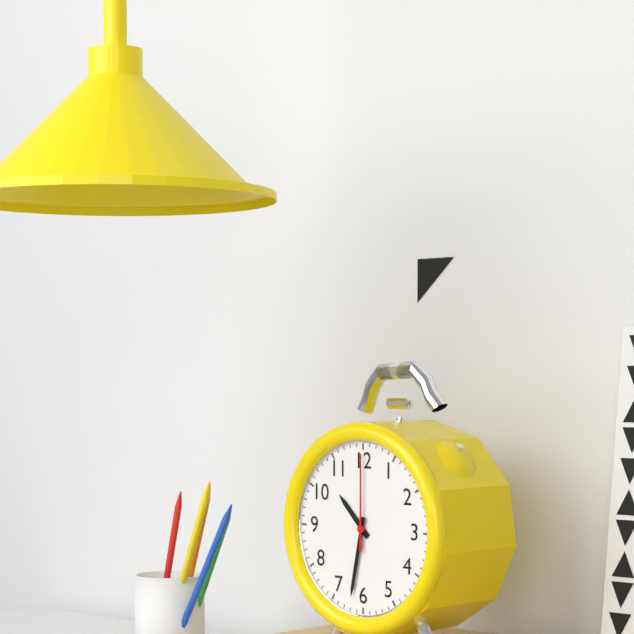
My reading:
**10:32:00**
